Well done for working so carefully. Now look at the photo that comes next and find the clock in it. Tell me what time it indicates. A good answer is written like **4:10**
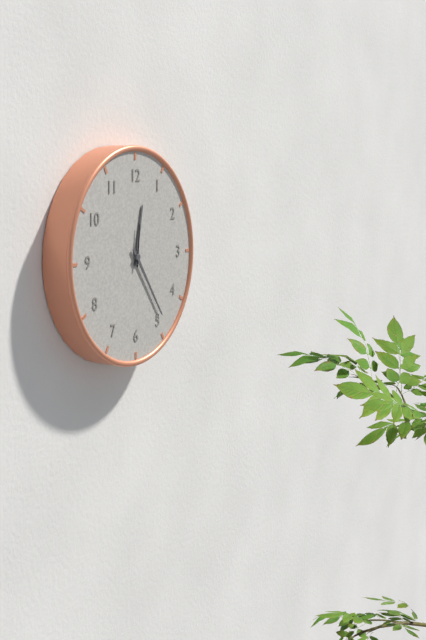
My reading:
**12:24**
